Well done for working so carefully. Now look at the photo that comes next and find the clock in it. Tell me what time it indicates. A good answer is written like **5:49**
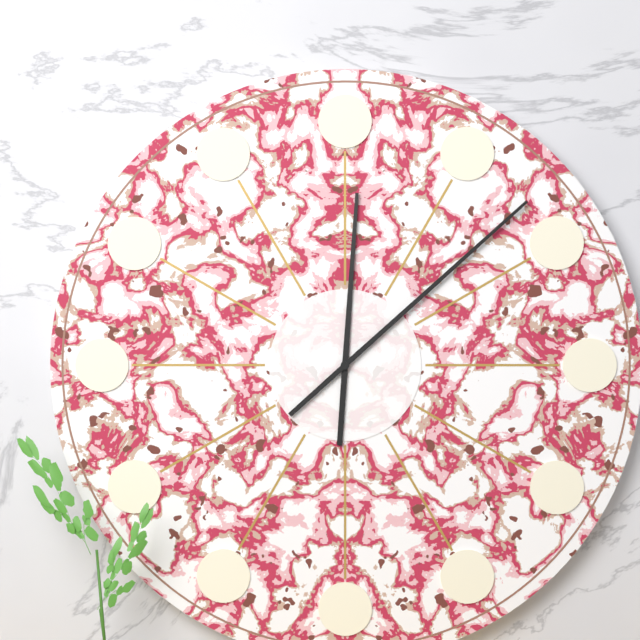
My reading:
**12:08**
